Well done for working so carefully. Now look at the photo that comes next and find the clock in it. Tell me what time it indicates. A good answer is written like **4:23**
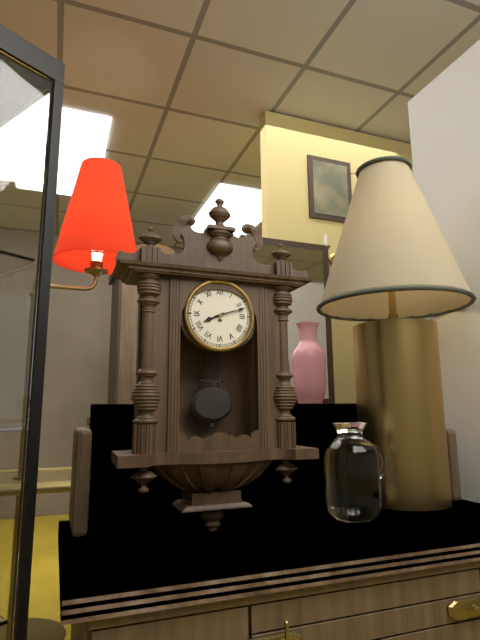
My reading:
**8:12**
